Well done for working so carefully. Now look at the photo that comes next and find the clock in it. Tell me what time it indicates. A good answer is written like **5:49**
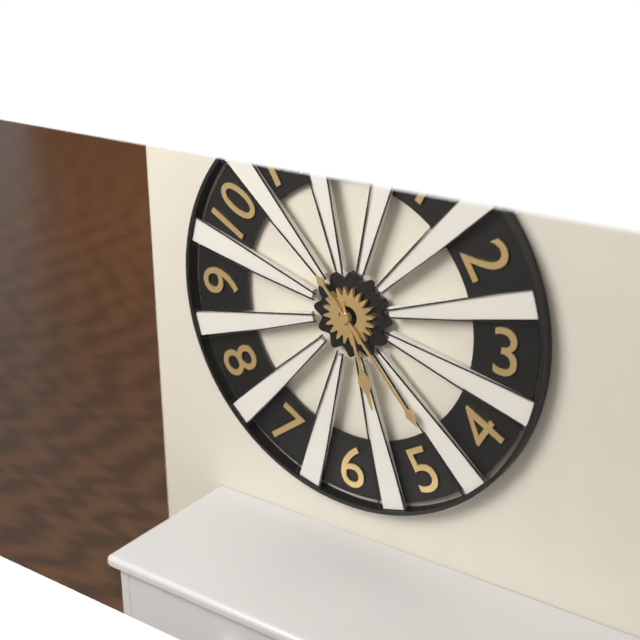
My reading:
**5:23**
